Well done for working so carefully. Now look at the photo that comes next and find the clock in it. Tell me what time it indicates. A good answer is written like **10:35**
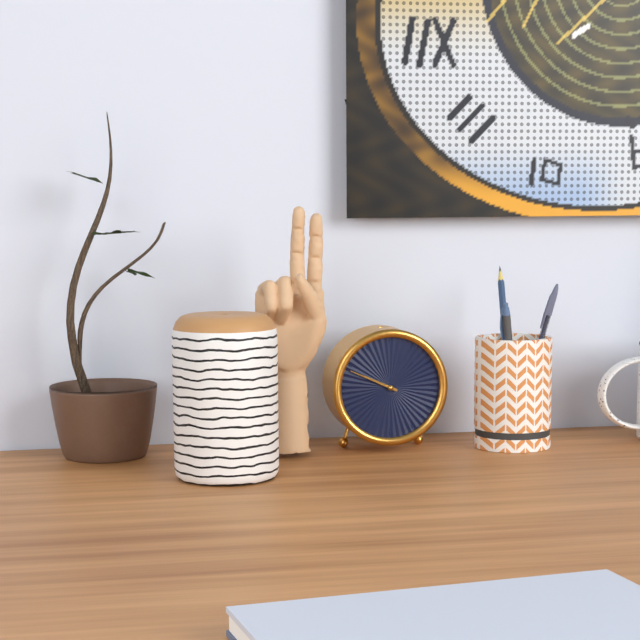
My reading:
**9:49**
